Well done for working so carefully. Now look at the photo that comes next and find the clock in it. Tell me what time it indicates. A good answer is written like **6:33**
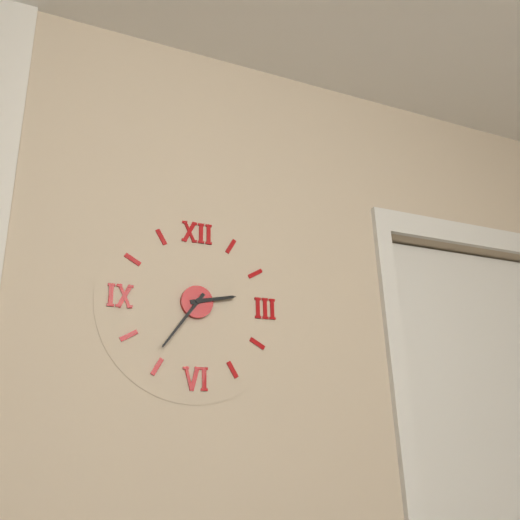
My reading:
**2:36**
